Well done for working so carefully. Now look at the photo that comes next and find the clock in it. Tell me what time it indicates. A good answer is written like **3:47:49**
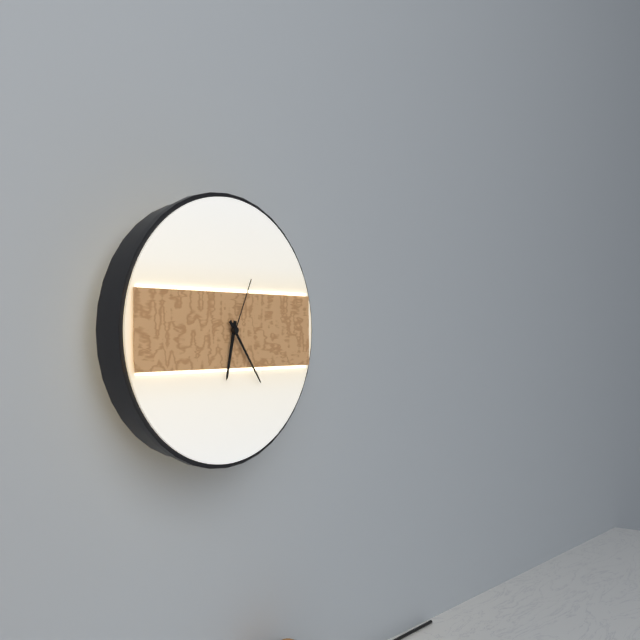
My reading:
**6:24:04**
